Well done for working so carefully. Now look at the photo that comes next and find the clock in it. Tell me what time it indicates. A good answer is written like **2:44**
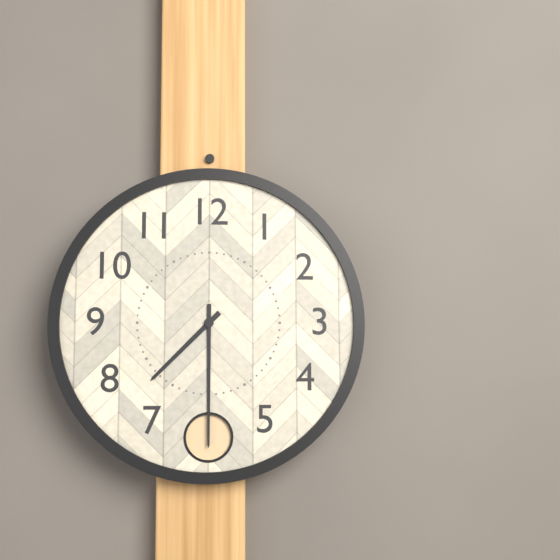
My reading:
**7:30**
